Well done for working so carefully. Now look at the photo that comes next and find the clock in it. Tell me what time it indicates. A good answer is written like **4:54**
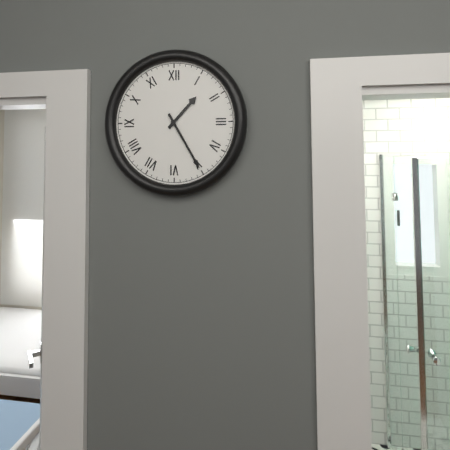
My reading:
**1:25**
